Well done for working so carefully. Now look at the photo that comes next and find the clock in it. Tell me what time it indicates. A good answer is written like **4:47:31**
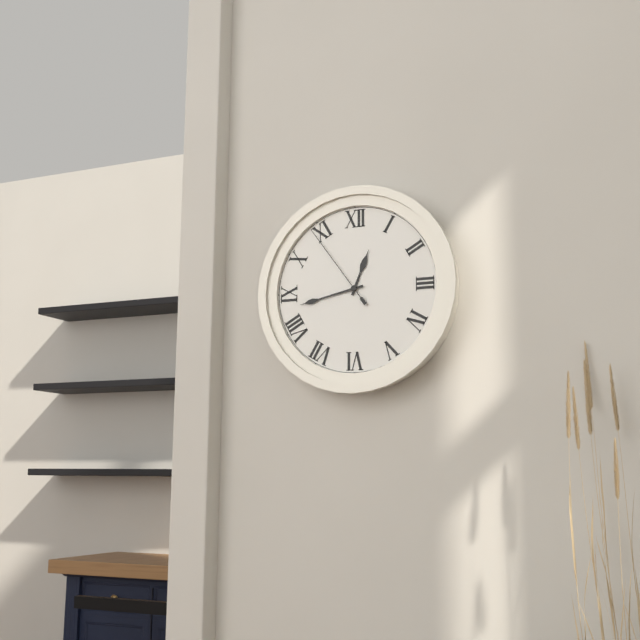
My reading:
**12:43:54**
